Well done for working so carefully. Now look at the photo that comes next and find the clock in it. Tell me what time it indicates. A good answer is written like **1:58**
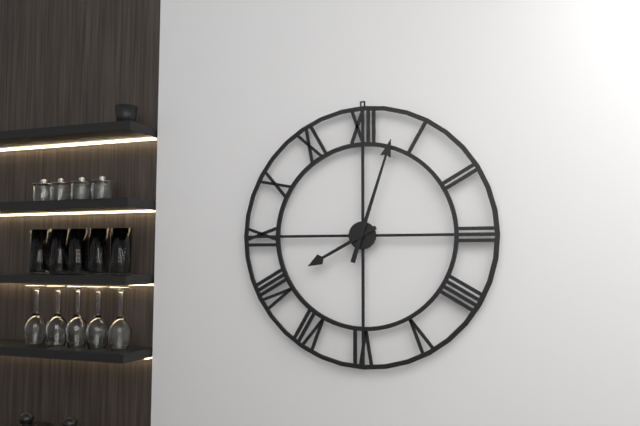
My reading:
**8:03**
